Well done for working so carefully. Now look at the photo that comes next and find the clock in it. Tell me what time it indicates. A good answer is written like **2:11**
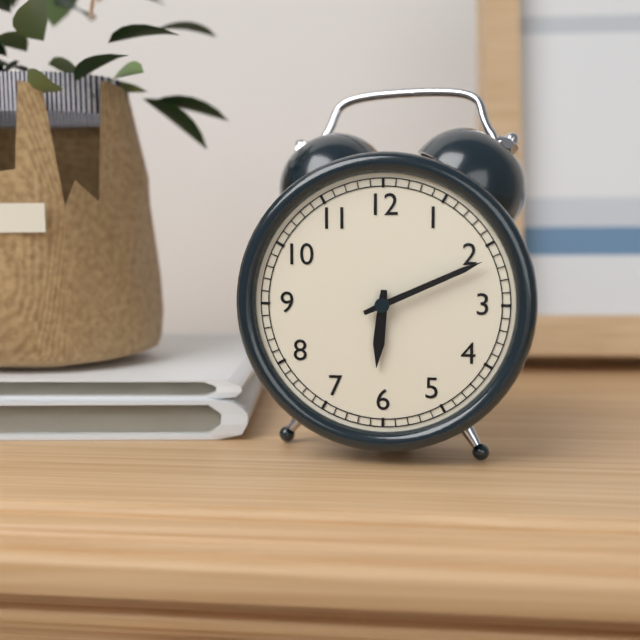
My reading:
**6:11**
